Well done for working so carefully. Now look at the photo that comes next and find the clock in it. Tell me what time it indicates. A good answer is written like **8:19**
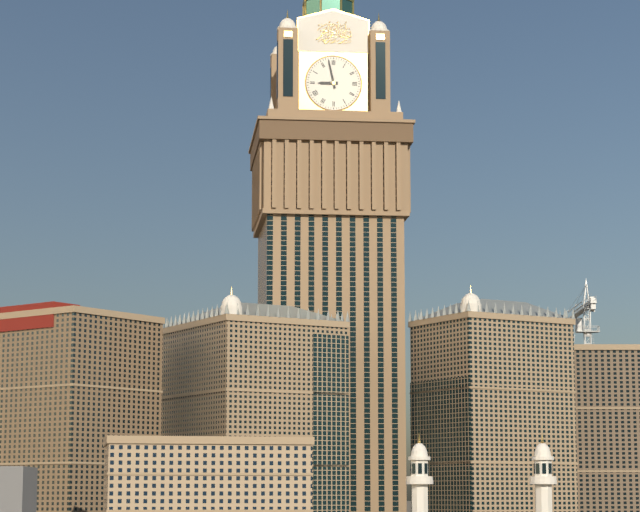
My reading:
**8:58**
